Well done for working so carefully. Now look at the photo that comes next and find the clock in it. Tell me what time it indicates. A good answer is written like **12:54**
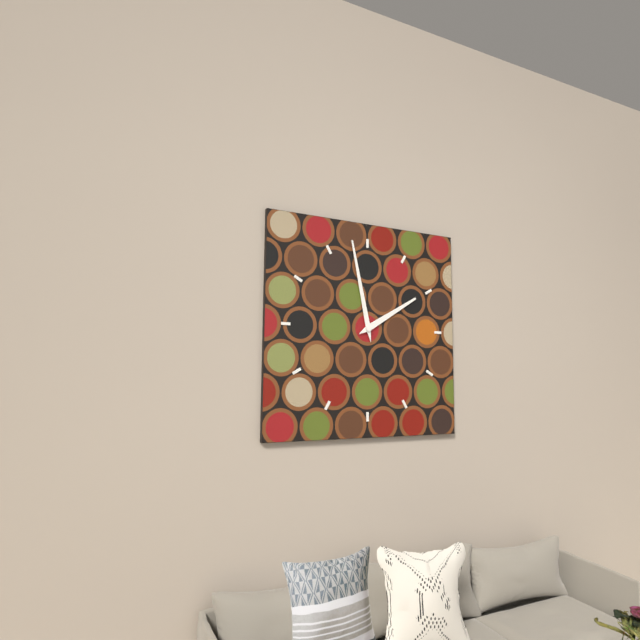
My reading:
**1:58**
